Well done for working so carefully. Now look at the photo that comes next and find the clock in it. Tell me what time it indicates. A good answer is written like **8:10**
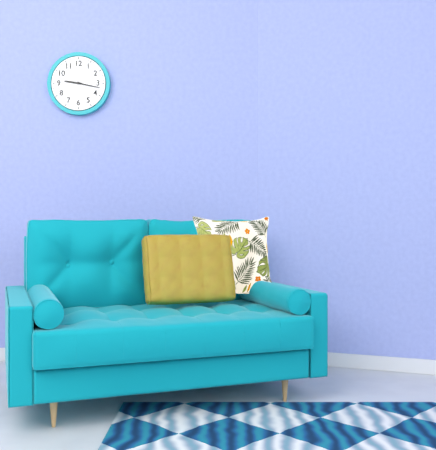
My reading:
**9:17**
